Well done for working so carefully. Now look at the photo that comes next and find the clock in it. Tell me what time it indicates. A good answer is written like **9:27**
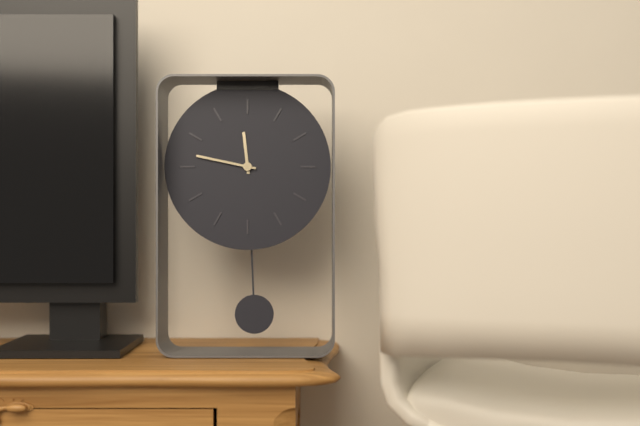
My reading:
**11:47**
